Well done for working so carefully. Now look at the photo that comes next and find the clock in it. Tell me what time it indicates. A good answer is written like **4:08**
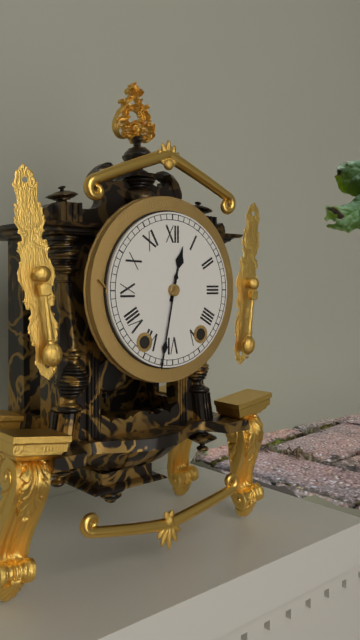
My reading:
**12:32**
